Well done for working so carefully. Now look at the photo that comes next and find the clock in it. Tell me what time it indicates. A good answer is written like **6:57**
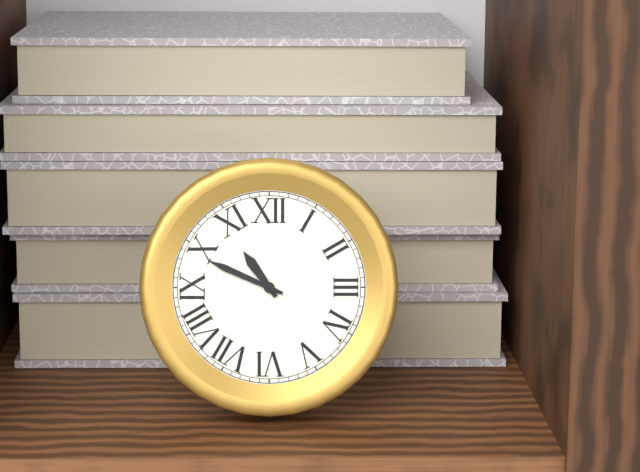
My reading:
**10:49**
